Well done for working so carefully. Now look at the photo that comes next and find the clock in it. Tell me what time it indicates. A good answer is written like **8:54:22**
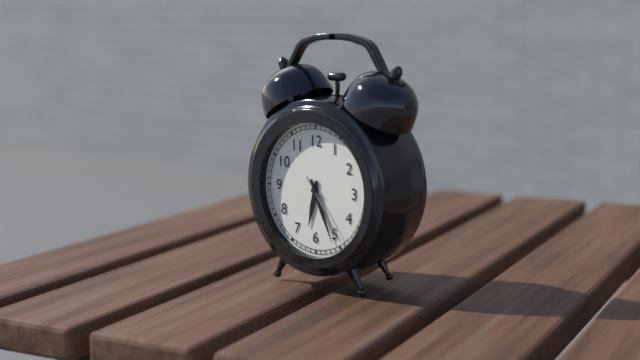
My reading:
**6:26:24**
